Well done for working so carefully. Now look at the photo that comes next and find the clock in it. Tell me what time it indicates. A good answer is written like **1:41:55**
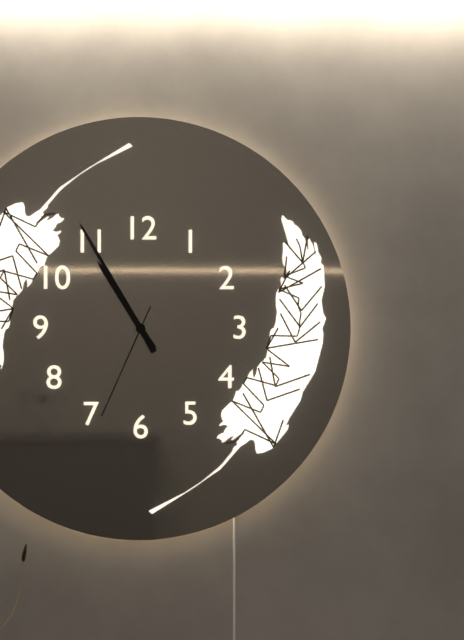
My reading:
**10:55:34**
